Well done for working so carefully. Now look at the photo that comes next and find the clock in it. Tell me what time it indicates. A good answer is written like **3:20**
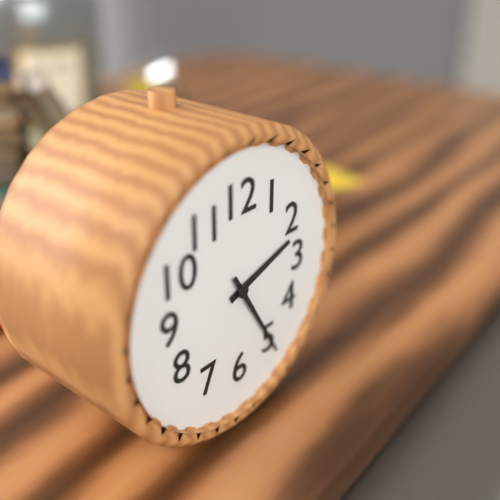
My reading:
**2:25**
